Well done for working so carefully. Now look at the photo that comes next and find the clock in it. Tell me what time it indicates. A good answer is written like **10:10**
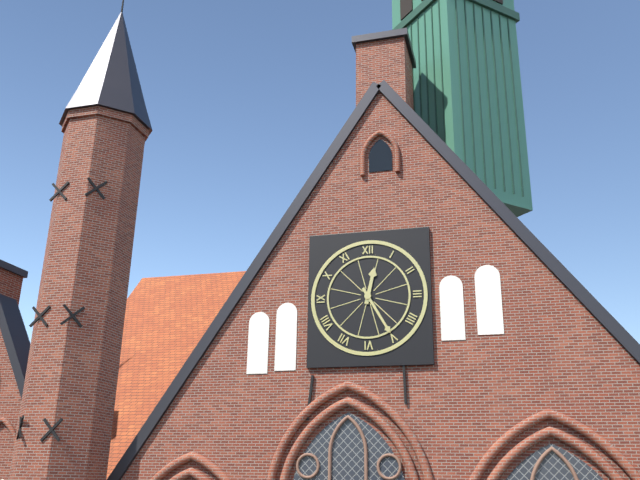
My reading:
**12:25**
